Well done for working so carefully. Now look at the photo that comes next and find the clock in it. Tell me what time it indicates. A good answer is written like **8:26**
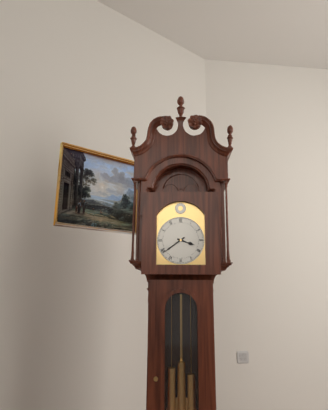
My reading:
**3:39**
